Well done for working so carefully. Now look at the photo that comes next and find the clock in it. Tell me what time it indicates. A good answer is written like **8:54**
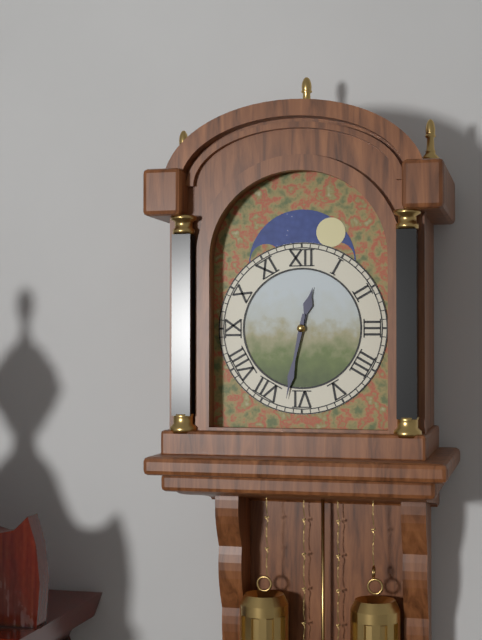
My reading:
**12:32**
